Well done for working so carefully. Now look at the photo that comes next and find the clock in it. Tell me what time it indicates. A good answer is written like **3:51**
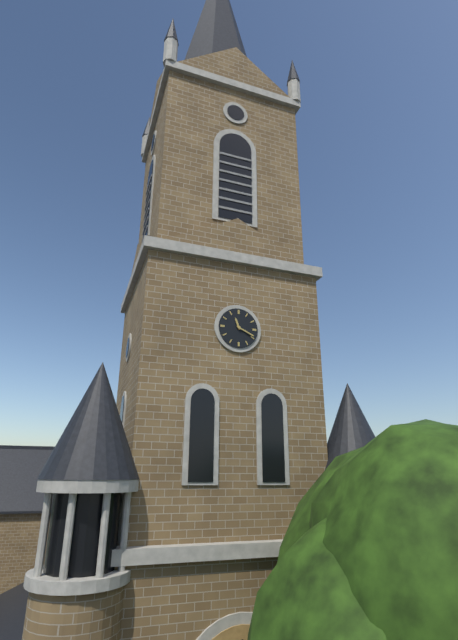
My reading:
**11:19**
